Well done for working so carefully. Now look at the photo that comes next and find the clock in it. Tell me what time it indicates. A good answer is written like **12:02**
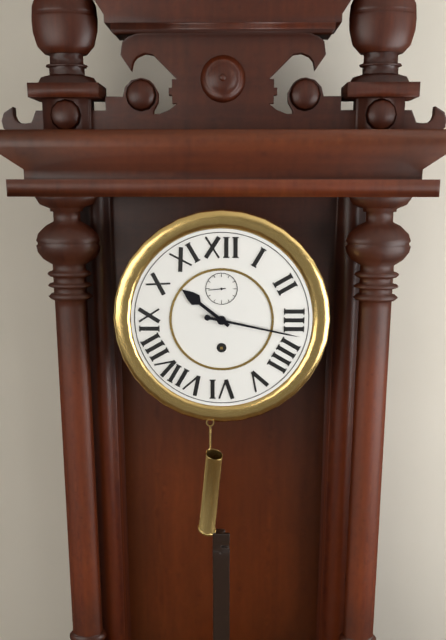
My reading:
**10:17**
